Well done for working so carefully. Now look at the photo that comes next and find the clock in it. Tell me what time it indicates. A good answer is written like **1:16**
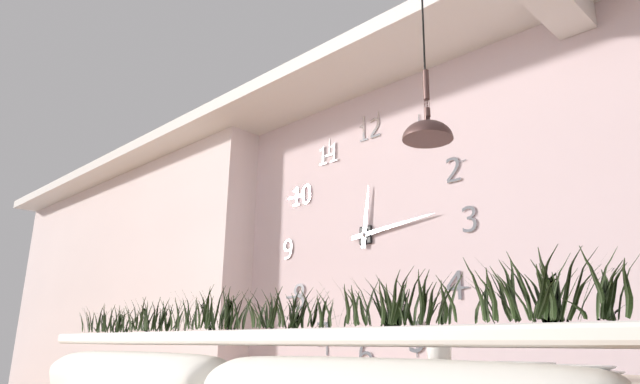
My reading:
**12:14**
